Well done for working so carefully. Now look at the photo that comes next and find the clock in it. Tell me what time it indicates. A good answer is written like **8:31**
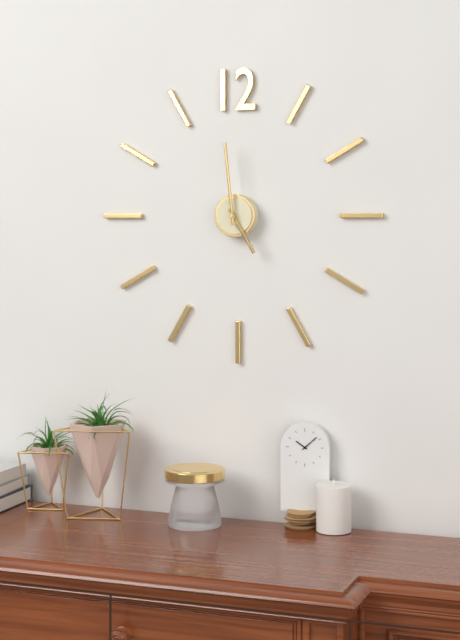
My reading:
**4:59**
